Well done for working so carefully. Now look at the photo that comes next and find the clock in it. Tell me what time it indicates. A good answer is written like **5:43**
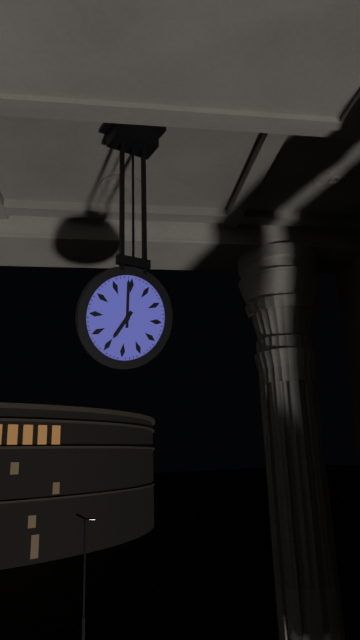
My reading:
**6:59**
